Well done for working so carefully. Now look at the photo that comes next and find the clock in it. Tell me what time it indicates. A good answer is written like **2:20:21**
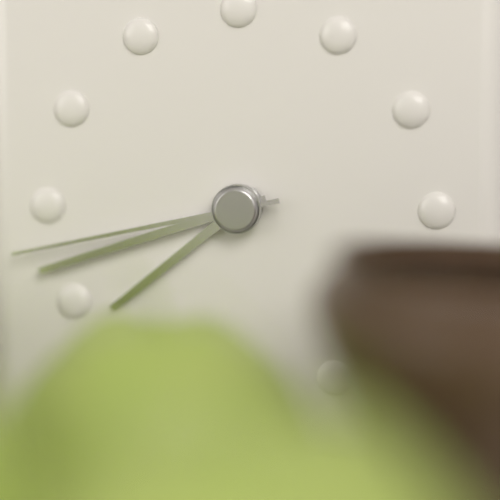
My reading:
**7:42:43**
